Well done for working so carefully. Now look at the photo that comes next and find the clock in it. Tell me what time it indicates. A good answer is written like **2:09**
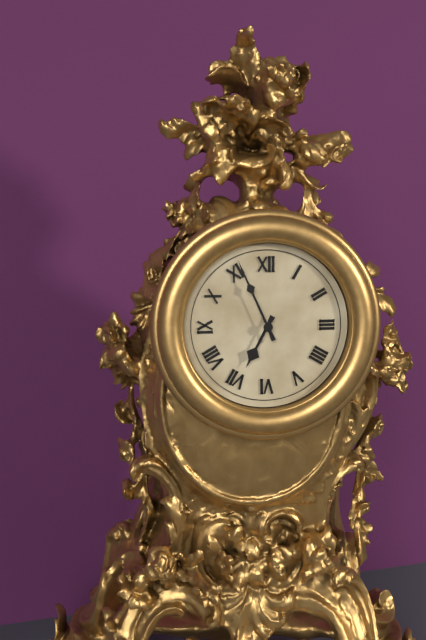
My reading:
**6:56**
